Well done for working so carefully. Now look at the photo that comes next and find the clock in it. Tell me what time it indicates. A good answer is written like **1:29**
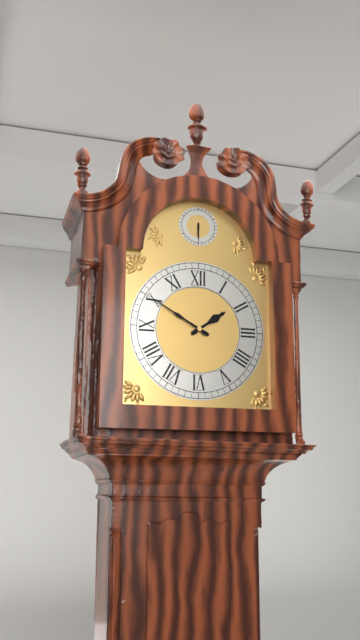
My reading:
**1:50**
